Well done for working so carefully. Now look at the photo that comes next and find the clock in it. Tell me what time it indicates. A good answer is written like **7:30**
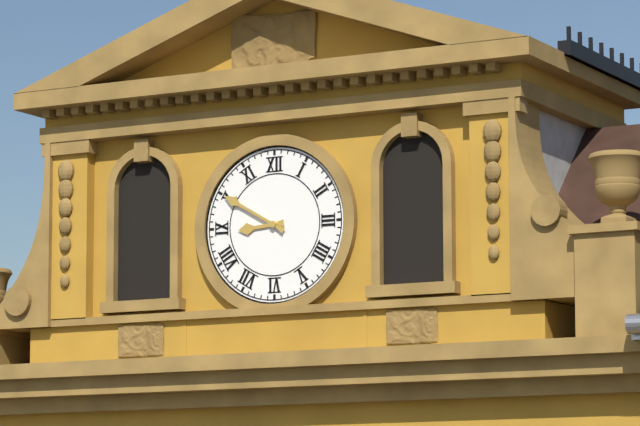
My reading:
**8:50**
